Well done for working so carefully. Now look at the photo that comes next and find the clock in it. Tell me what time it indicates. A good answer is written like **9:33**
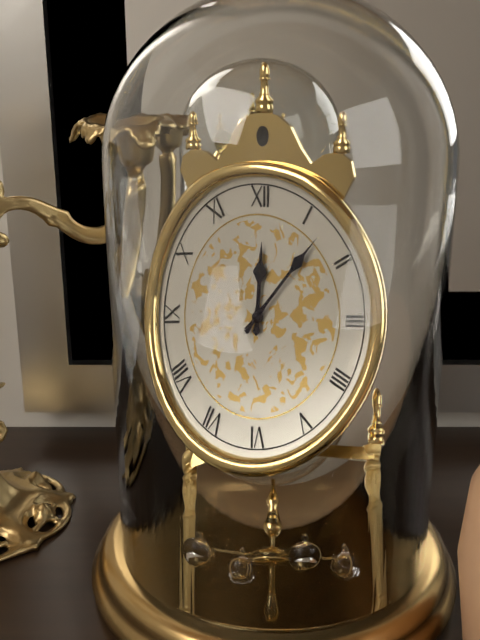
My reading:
**12:07**
